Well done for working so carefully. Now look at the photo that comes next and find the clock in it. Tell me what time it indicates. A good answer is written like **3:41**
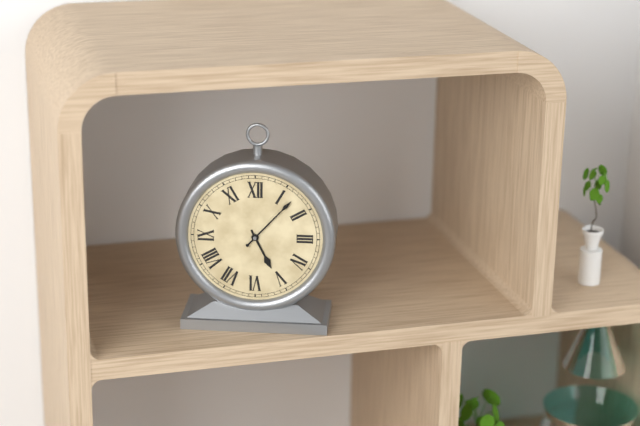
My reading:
**5:07**
